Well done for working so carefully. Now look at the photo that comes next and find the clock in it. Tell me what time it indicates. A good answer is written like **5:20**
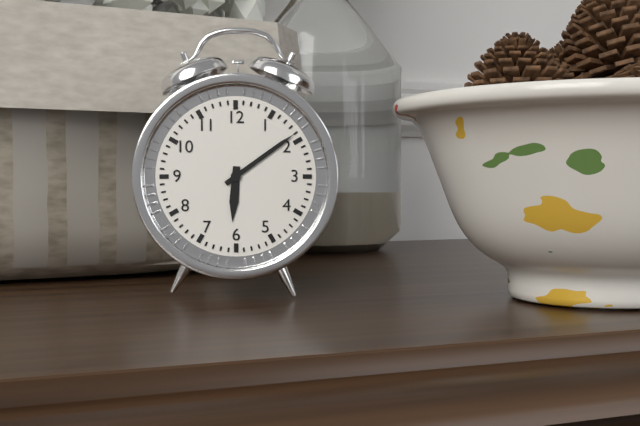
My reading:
**6:09**
